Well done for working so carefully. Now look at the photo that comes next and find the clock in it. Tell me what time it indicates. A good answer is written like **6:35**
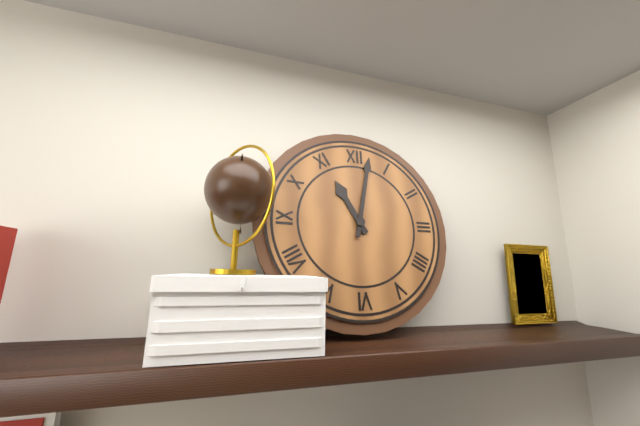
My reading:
**11:02**
